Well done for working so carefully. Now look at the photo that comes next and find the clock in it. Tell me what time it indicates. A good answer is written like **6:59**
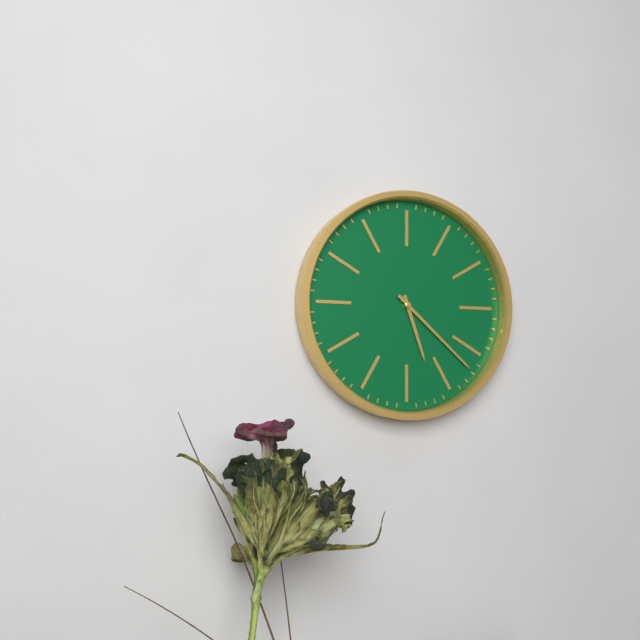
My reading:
**5:22**
